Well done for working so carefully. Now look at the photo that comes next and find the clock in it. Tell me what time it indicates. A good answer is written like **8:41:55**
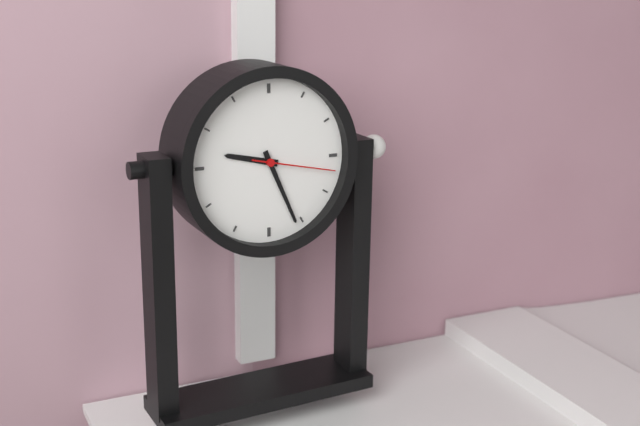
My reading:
**9:26:17**
